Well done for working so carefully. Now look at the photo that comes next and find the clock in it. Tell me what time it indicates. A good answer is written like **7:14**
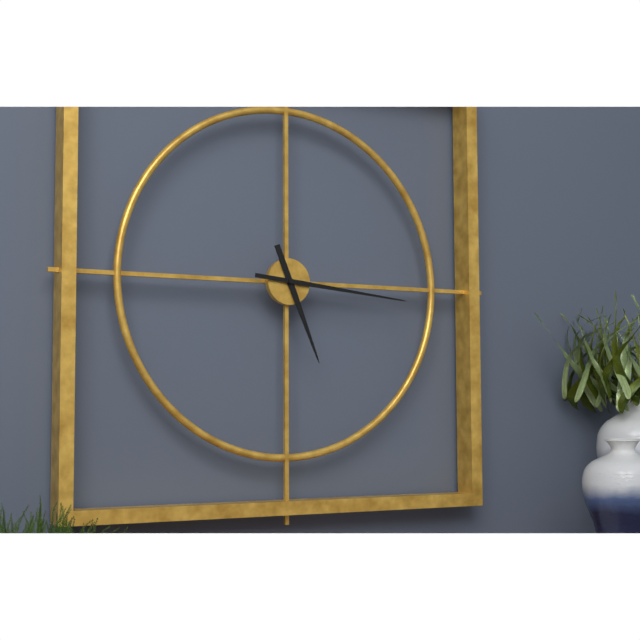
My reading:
**5:16**
